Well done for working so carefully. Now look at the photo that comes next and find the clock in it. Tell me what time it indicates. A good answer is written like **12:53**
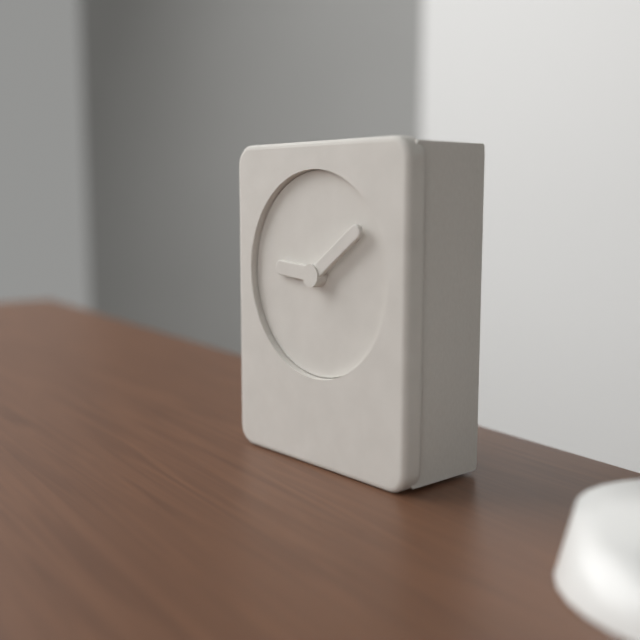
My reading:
**9:09**
